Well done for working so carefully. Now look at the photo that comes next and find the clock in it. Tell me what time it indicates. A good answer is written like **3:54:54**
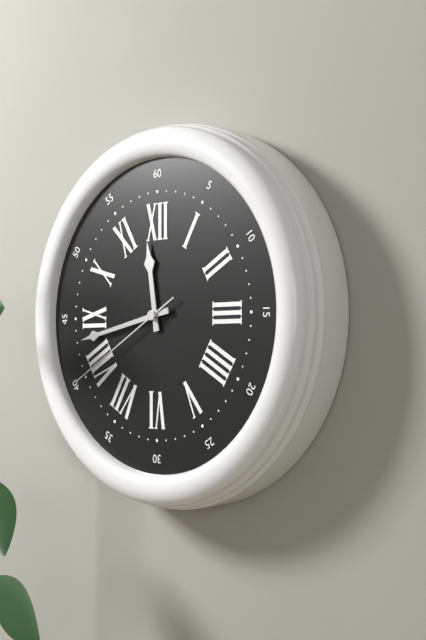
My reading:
**11:43:40**
